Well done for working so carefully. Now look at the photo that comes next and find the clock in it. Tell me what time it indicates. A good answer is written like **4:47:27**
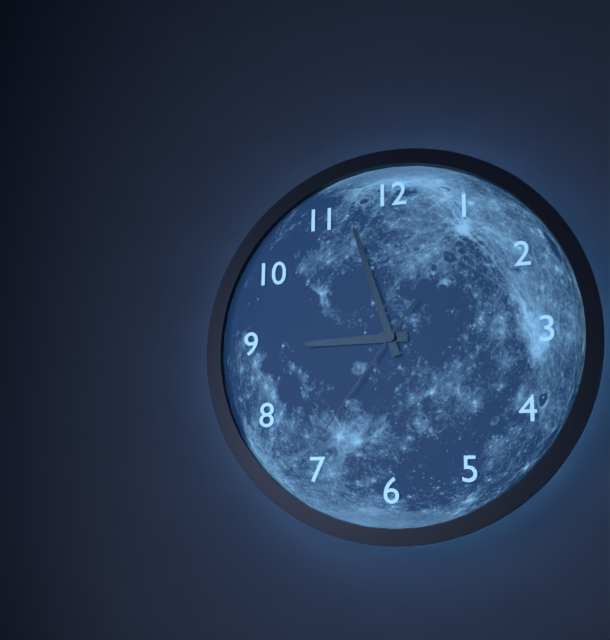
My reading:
**8:57:36**
